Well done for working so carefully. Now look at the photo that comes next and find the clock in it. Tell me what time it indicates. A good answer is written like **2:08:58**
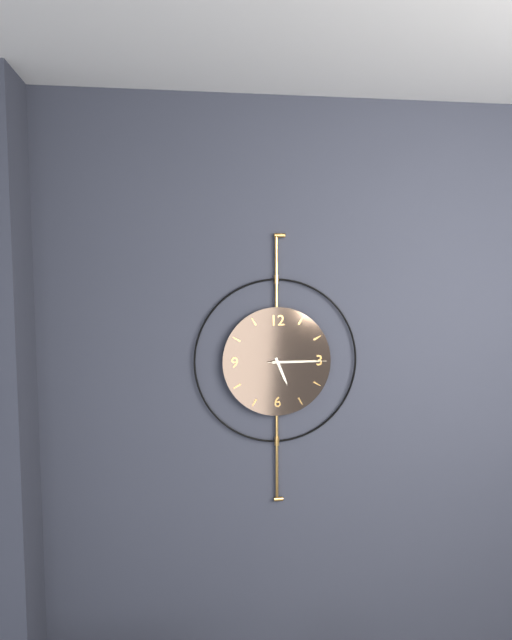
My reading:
**5:15:15**
